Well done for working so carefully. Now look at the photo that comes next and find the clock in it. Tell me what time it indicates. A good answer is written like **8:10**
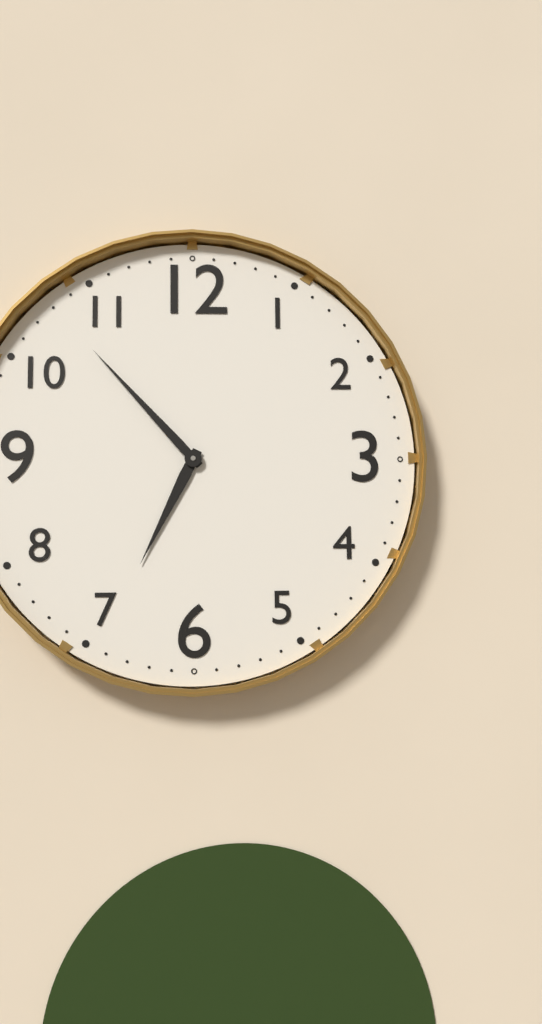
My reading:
**6:53**
